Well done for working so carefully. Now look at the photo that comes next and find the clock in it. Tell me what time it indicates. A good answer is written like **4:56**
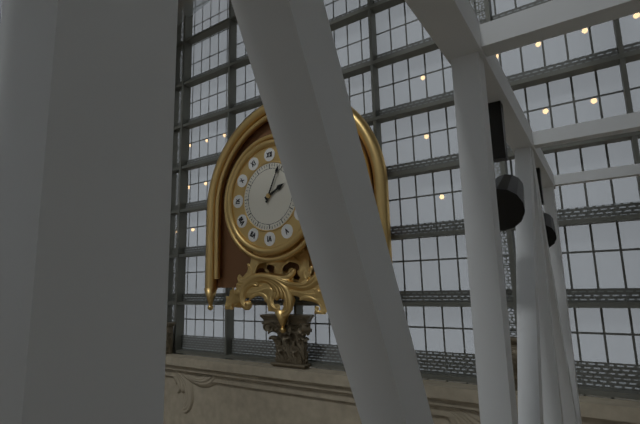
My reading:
**2:04**
